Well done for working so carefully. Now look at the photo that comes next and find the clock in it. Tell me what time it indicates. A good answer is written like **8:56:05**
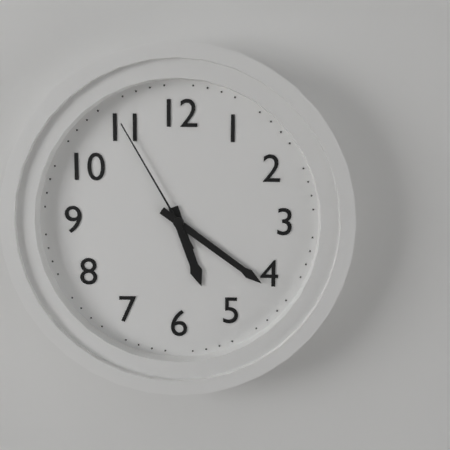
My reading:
**5:21:55**
